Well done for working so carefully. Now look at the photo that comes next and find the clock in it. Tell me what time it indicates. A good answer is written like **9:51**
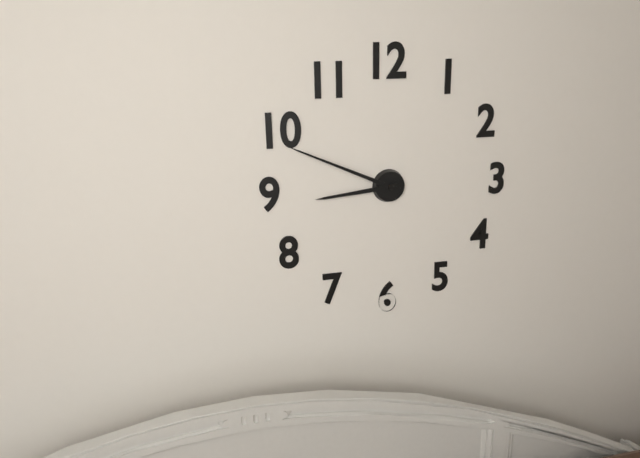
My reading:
**8:49**
